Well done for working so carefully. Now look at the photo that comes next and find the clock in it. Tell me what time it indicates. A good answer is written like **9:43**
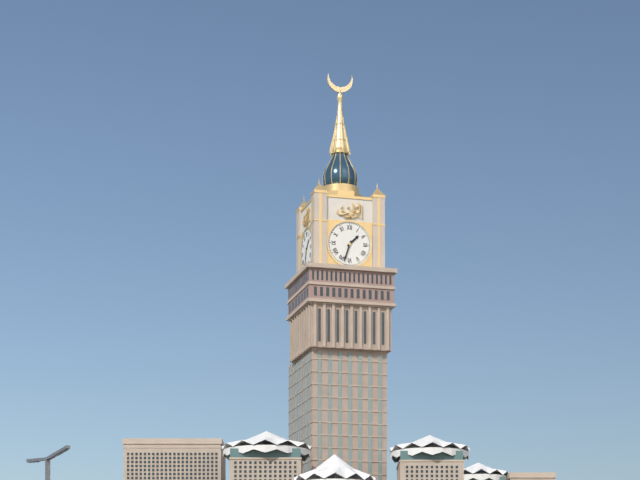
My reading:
**1:33**
